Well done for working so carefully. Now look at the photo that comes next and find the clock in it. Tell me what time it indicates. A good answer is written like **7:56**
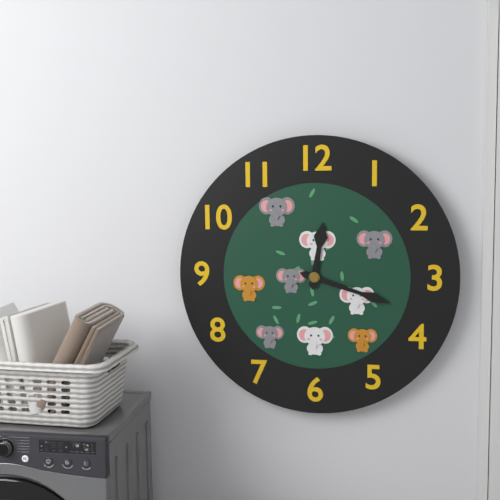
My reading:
**12:18**
